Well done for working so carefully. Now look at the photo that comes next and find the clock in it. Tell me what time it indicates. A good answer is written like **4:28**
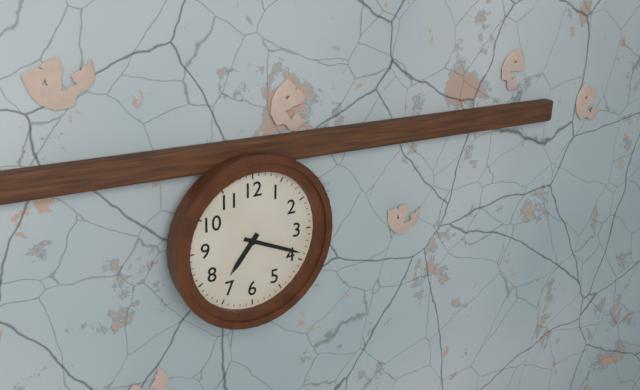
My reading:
**7:19**
